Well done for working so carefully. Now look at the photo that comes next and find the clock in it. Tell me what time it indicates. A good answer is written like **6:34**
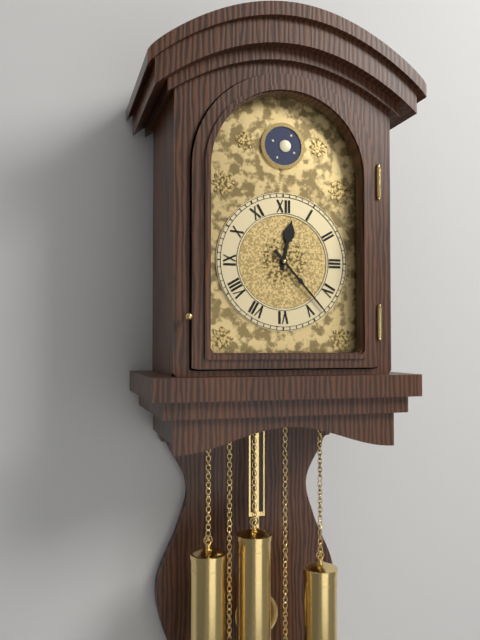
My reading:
**12:23**
